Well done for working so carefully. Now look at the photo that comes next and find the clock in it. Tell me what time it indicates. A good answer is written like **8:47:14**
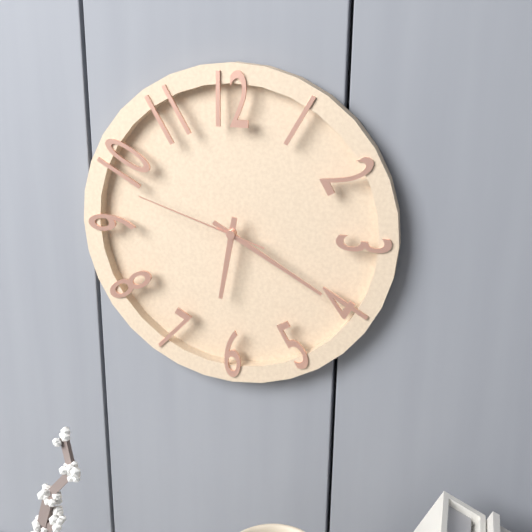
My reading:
**6:20:48**
